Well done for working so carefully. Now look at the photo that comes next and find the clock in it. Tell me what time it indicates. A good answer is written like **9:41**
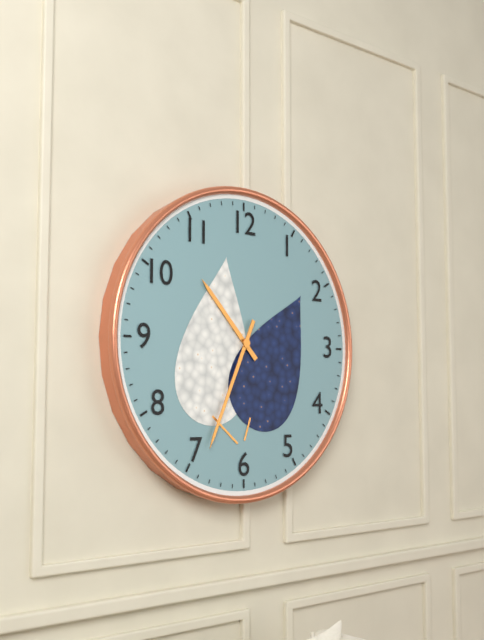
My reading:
**10:34**
